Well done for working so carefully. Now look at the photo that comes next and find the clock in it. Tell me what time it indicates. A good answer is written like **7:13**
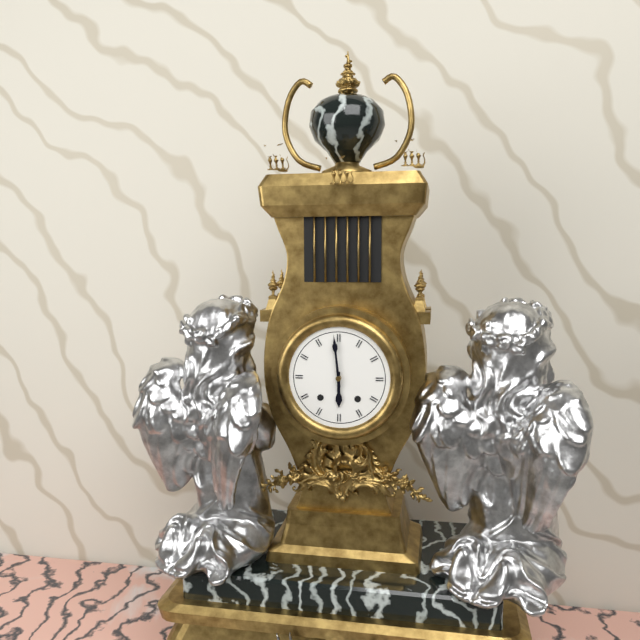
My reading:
**5:59**
